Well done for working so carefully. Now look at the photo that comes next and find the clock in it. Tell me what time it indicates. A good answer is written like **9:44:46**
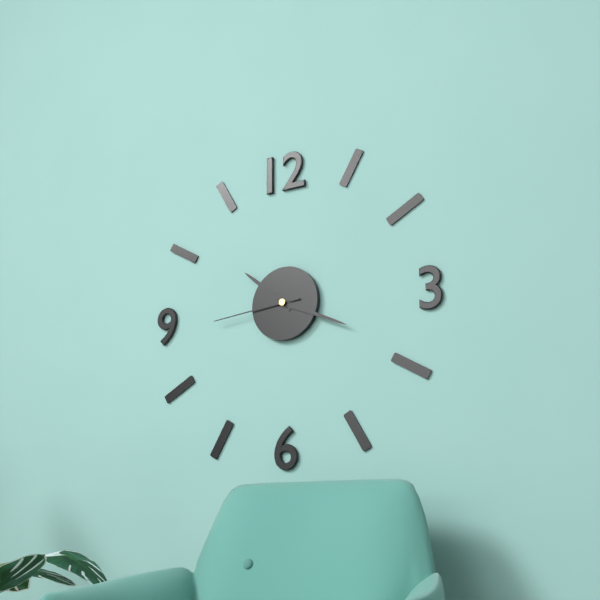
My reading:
**10:19:44**
